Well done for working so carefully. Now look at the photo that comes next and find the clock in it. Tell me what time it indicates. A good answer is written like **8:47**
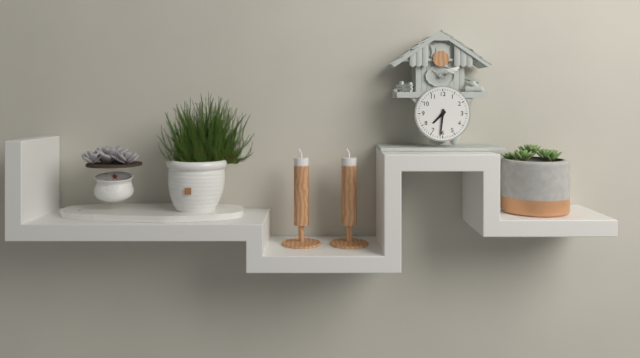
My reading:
**7:31**
